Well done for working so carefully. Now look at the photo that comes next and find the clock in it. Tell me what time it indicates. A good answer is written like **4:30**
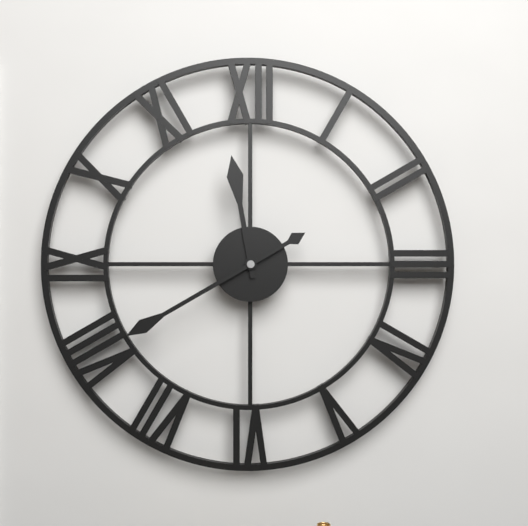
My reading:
**11:40**
